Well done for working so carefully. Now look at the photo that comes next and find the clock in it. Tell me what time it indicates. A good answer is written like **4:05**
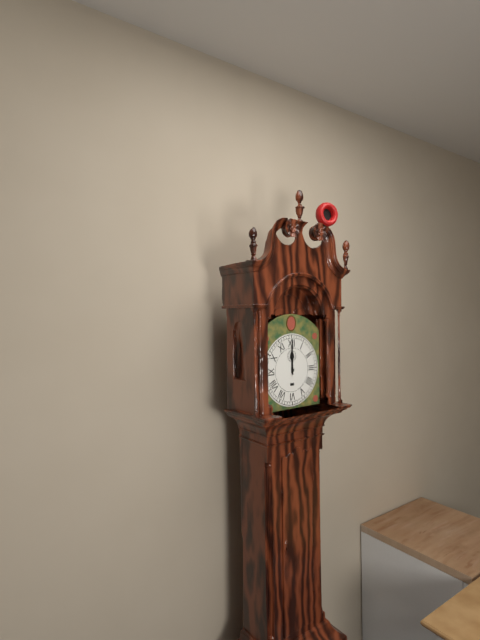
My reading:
**12:00**
